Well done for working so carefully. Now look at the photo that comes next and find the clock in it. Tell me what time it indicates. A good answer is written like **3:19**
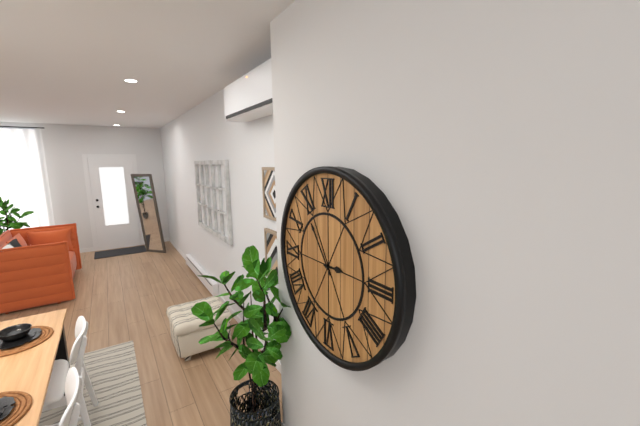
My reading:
**2:54**
